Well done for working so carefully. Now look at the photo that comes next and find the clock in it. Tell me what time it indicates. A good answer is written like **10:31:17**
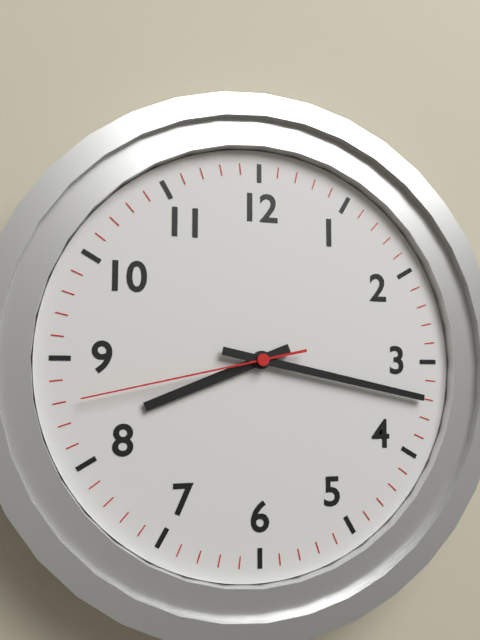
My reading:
**8:17:43**
